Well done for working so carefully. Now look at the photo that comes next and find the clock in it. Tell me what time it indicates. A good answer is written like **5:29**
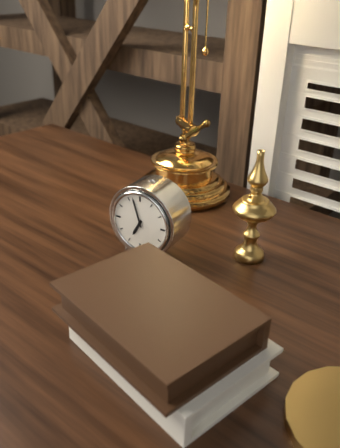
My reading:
**6:57**
